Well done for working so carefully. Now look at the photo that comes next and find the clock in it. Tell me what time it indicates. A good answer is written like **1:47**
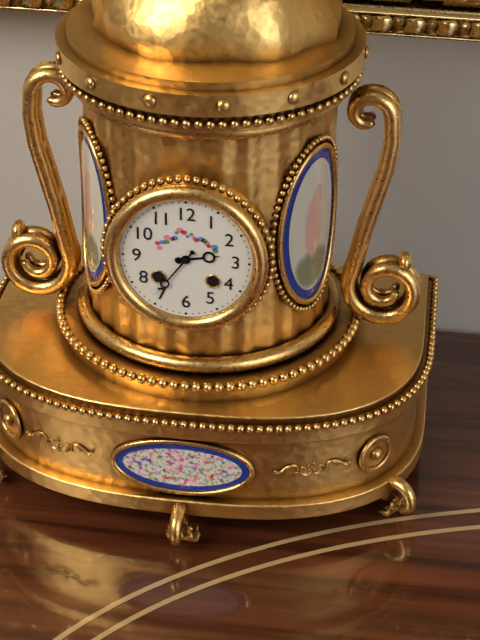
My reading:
**2:36**
